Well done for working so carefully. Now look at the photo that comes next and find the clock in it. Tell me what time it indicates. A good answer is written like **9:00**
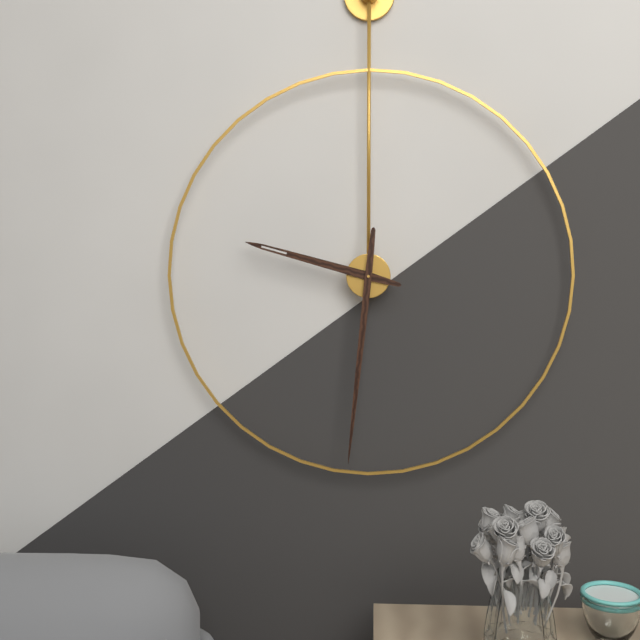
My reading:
**9:31**
